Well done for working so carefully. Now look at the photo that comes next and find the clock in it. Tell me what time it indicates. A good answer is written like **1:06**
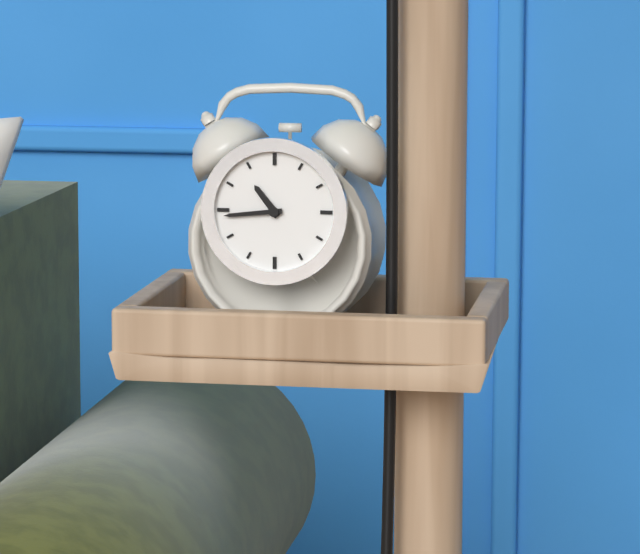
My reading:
**10:44**
